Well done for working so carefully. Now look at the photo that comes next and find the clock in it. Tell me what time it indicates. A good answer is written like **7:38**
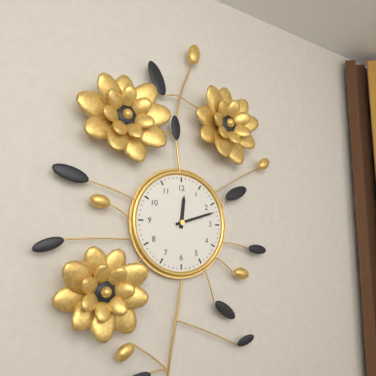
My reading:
**12:12**
